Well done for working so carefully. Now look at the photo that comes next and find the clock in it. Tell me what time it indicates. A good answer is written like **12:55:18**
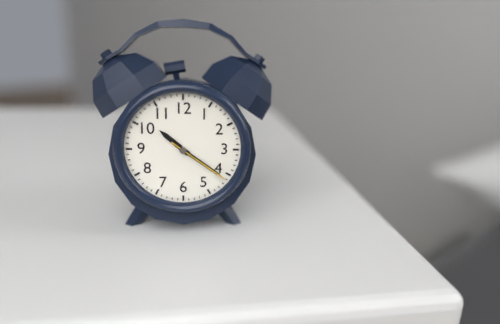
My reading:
**10:21:21**
